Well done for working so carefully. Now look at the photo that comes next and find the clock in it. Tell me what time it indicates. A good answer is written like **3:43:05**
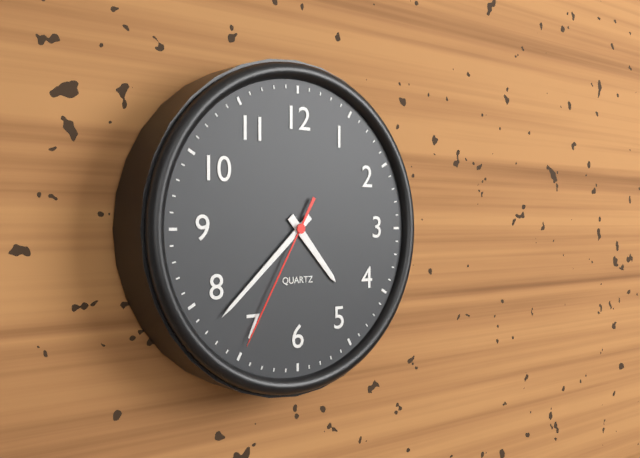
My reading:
**4:38:35**
